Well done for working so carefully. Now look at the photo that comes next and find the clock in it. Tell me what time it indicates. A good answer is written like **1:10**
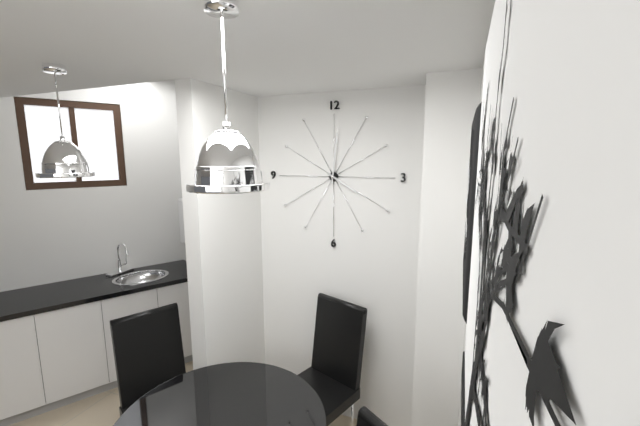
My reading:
**4:01**
